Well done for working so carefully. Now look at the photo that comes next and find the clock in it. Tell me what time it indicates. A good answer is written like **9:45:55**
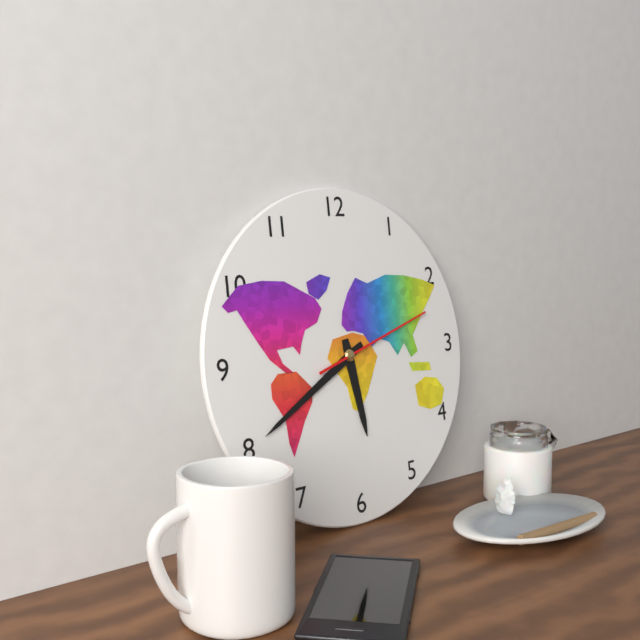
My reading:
**5:40:12**
